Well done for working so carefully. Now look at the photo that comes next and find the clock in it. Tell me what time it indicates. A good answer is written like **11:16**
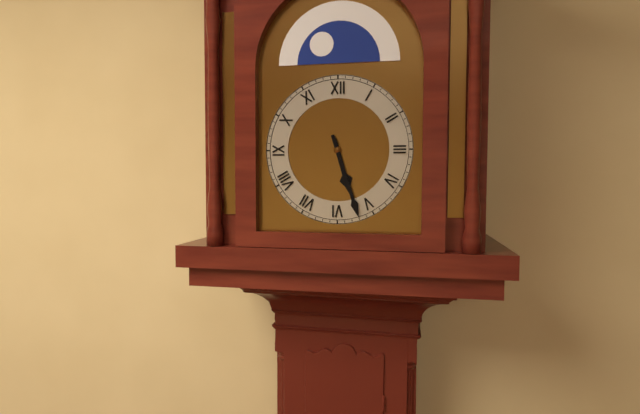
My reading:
**5:27**
